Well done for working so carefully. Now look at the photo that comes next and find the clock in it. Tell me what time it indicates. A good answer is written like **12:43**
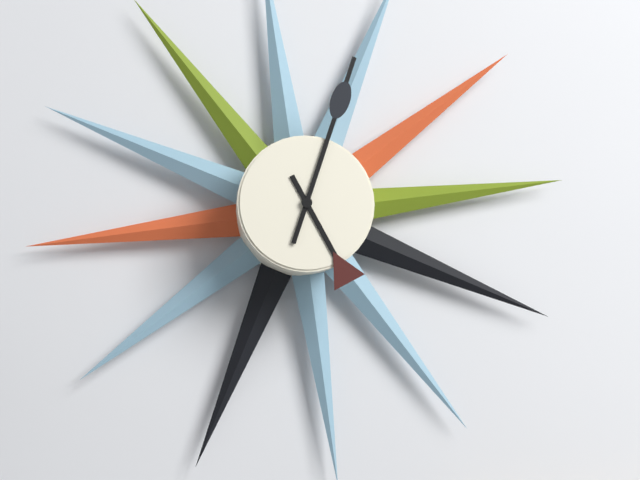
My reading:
**5:03**
